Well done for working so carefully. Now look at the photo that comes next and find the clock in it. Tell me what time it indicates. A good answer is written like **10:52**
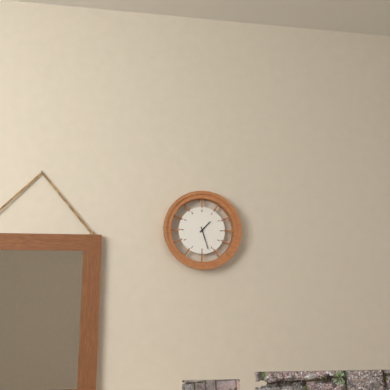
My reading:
**1:27**
